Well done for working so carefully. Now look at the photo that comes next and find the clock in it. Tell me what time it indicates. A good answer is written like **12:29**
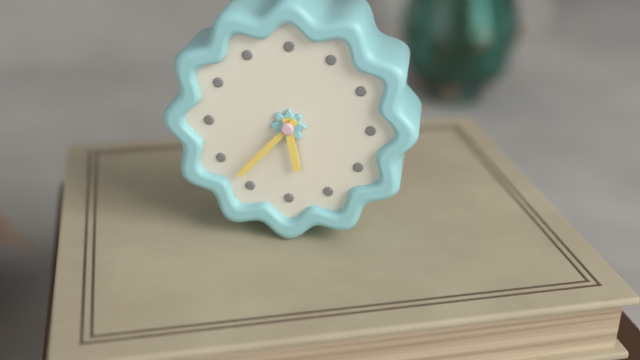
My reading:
**5:37**
